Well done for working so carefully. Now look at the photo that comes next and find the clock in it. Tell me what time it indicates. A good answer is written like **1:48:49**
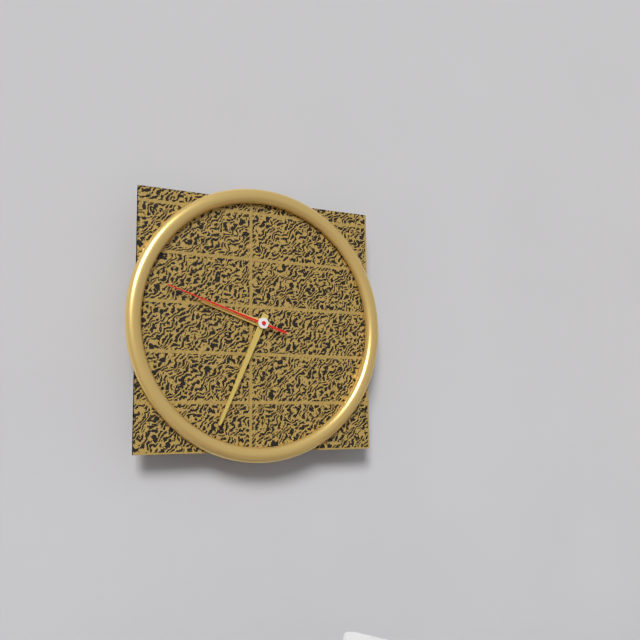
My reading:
**9:34:48**
